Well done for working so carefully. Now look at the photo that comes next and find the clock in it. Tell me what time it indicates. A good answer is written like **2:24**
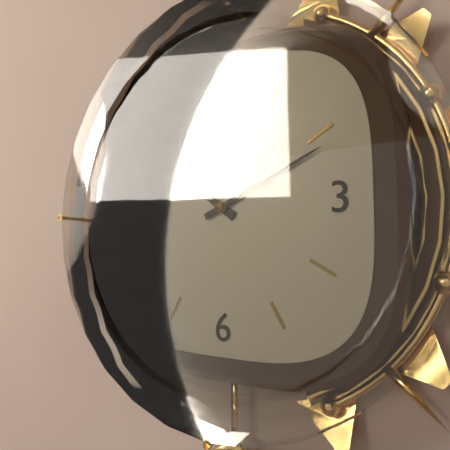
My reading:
**10:11**
